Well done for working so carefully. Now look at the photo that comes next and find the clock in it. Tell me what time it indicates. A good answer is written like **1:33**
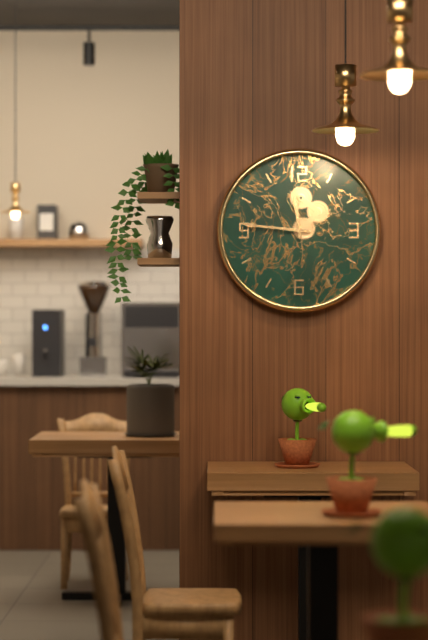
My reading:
**11:46**
